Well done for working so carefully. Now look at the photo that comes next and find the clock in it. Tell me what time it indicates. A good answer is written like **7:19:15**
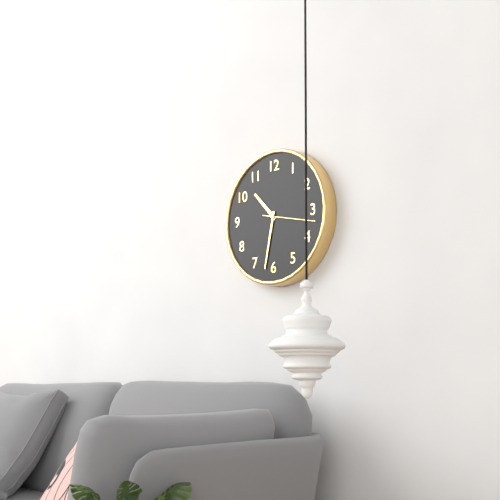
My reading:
**10:32:17**
